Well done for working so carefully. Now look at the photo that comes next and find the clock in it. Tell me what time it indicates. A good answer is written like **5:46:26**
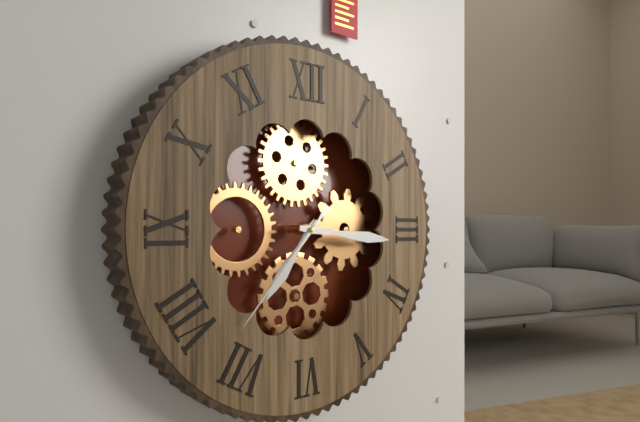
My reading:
**7:16:37**
